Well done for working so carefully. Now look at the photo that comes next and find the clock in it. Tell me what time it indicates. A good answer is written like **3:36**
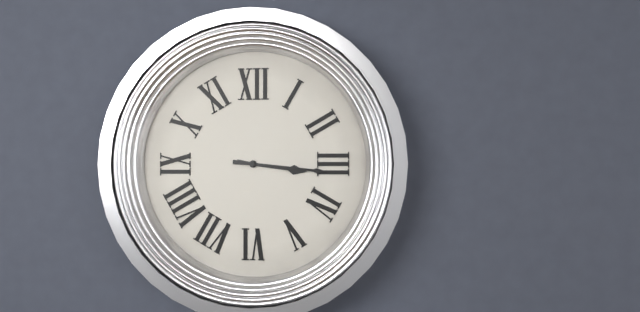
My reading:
**3:16**
